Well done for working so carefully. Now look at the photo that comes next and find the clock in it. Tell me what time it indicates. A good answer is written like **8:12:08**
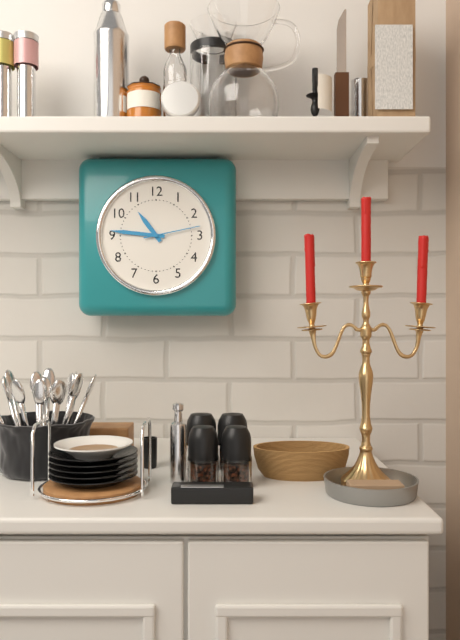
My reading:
**10:46:13**
